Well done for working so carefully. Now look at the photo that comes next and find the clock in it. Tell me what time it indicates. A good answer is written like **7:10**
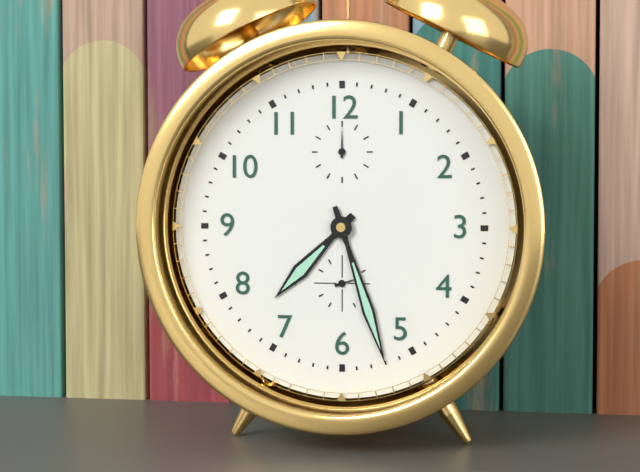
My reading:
**7:27**
